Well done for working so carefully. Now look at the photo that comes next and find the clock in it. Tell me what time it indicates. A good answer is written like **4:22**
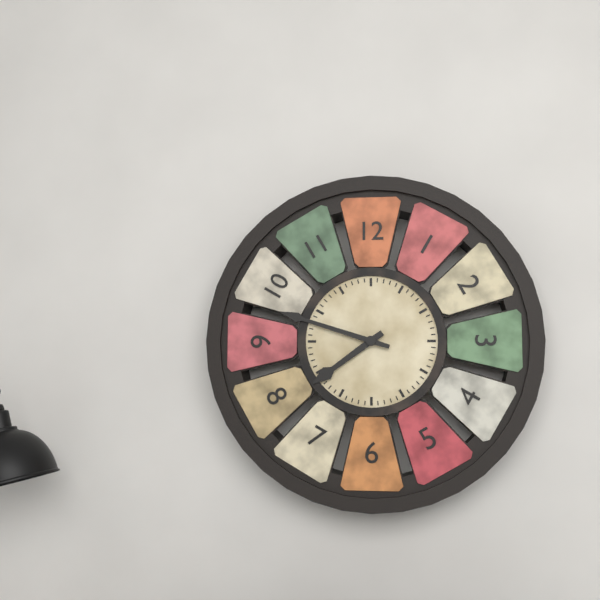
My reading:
**7:48**
